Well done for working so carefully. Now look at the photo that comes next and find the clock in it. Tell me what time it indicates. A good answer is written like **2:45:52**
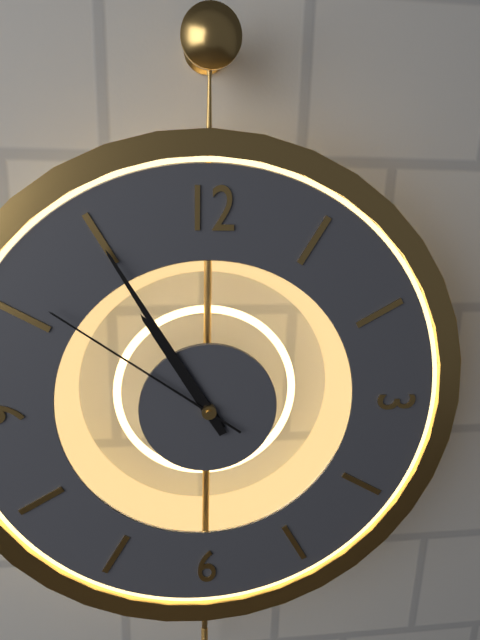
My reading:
**10:55:51**
